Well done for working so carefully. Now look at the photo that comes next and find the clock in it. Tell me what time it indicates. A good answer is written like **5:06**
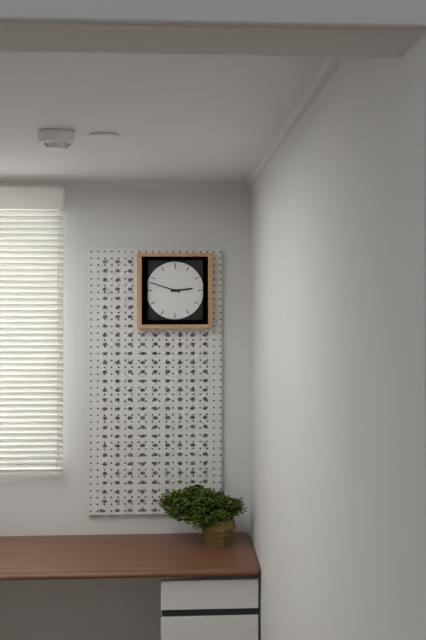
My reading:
**2:48**
